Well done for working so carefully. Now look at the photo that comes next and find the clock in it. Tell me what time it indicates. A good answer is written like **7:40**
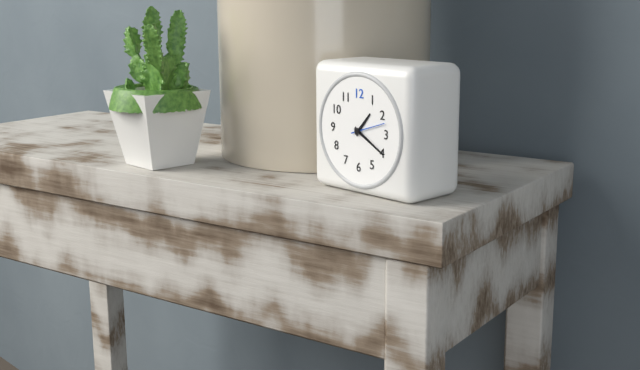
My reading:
**1:20**
